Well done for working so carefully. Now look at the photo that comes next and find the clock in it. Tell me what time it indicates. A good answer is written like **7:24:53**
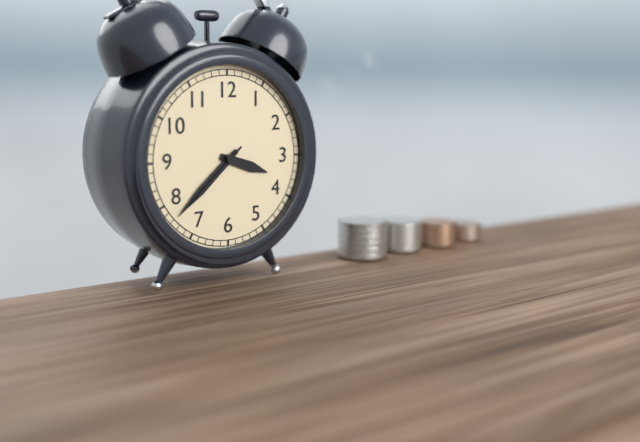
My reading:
**3:38:38**
